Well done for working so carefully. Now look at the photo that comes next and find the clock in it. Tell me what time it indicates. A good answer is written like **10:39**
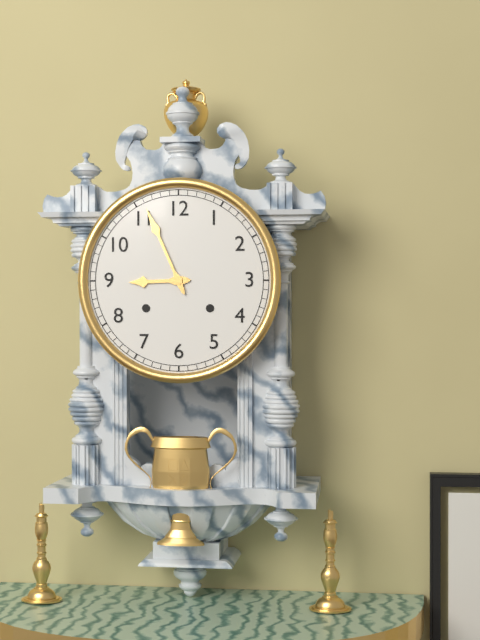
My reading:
**8:56**
